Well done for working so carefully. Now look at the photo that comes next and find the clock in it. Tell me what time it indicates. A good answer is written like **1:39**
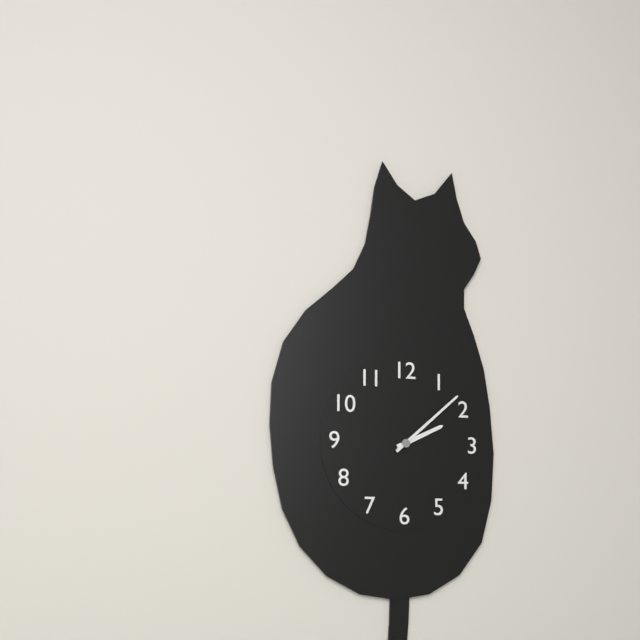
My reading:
**2:08**
